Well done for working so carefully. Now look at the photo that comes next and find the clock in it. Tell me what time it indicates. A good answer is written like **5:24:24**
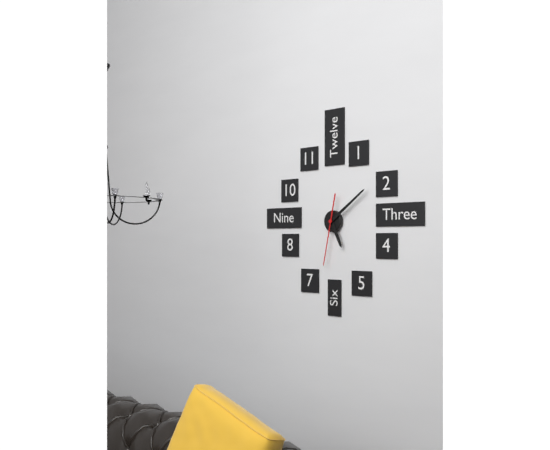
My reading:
**5:09:32**
